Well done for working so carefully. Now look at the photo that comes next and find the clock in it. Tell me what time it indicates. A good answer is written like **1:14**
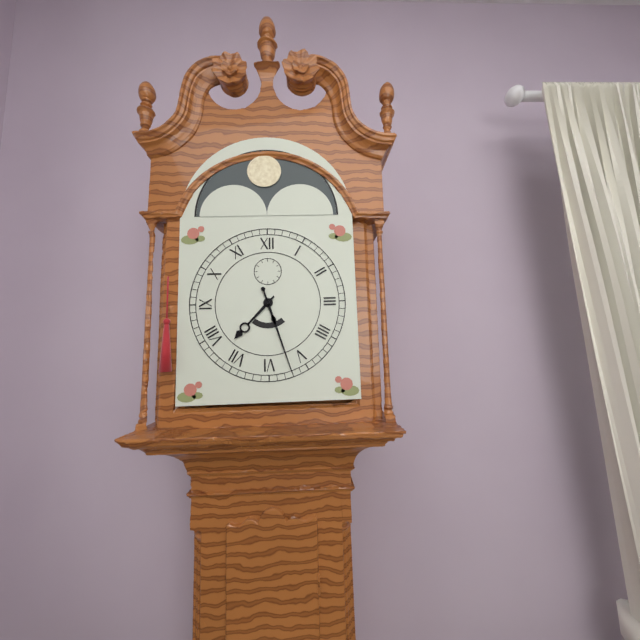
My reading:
**7:27**
